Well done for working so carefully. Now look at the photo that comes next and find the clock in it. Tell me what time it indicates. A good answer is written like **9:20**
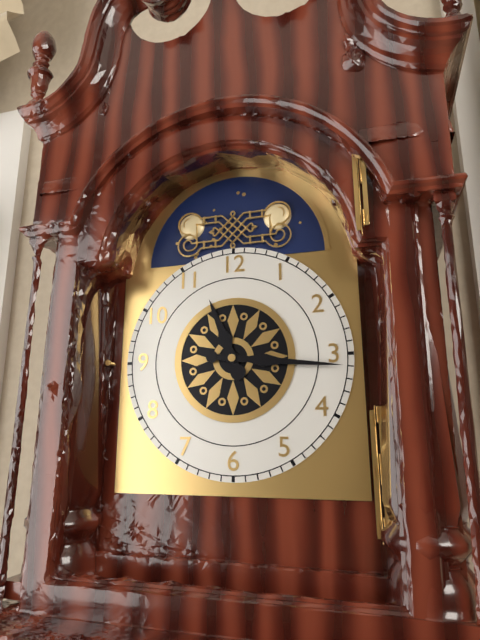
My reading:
**11:16**
